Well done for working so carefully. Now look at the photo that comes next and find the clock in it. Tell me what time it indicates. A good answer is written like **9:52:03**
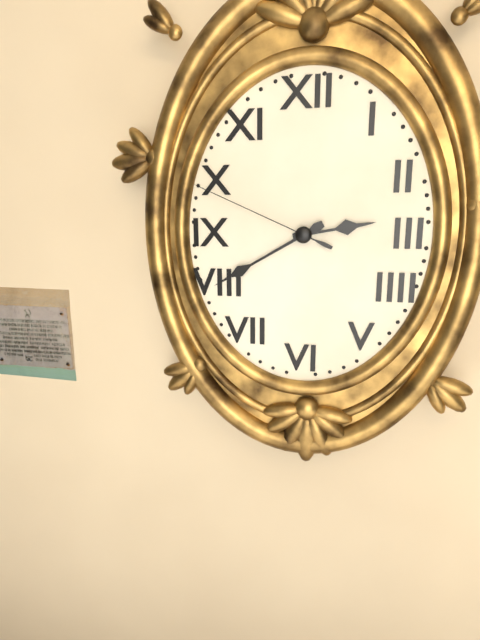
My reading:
**2:40:49**
